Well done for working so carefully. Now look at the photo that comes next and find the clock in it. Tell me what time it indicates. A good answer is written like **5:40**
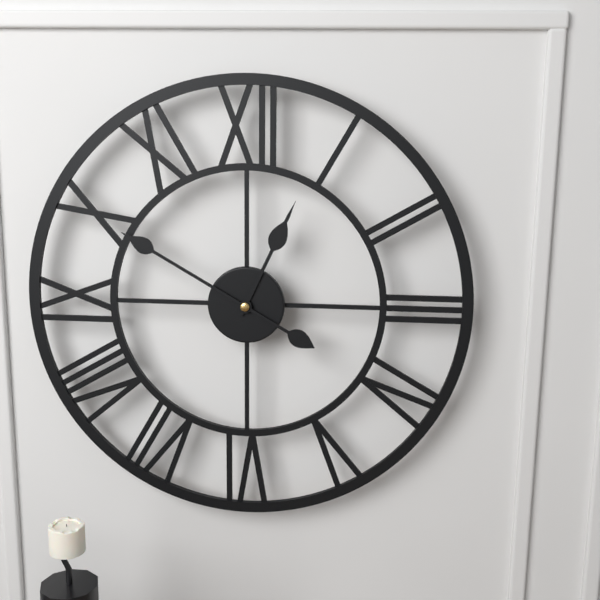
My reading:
**12:50**
